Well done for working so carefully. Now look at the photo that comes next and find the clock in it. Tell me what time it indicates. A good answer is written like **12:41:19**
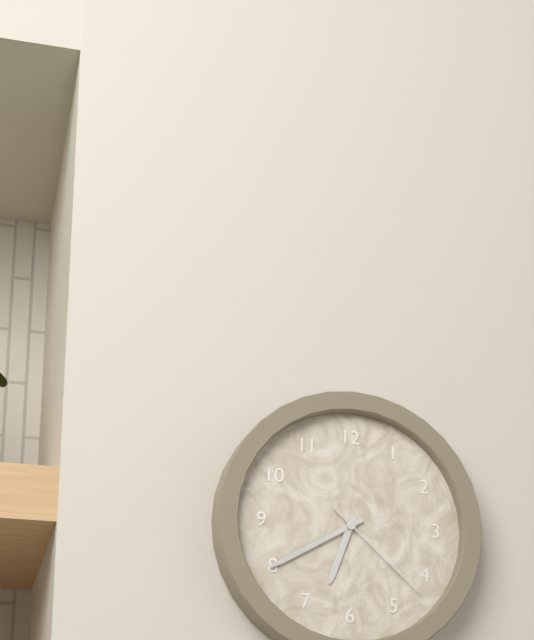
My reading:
**6:40:22**
